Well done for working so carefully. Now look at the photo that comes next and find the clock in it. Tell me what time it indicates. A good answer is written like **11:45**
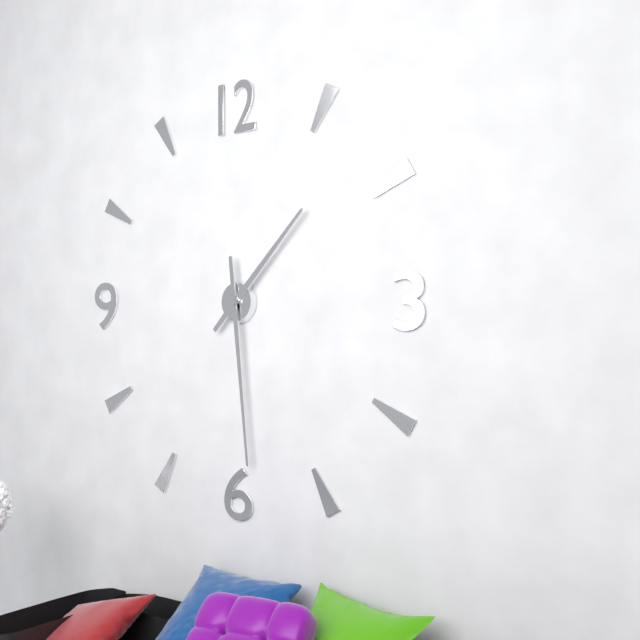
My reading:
**1:29**
